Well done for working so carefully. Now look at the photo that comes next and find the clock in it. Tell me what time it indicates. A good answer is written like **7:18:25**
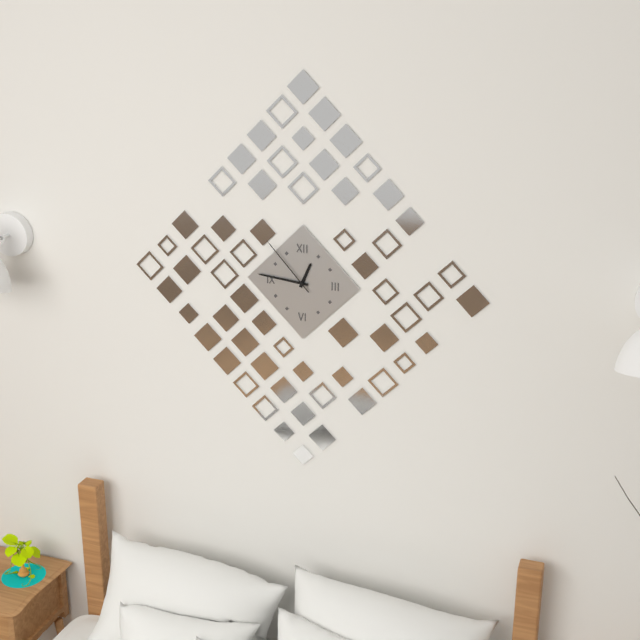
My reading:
**12:46:53**
